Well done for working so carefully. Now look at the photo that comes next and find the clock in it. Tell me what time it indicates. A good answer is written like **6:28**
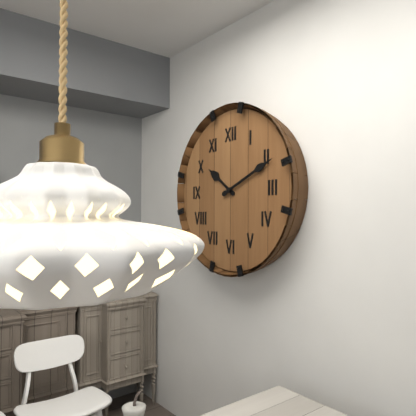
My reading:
**10:11**
